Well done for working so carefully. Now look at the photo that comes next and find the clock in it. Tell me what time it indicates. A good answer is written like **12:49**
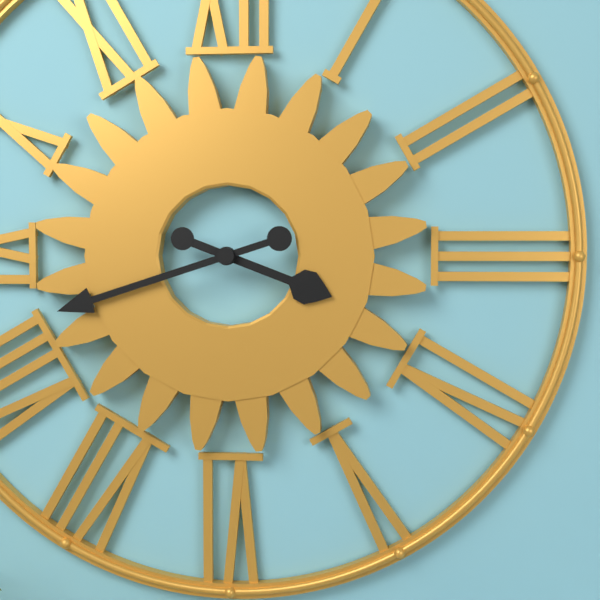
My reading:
**3:42**
